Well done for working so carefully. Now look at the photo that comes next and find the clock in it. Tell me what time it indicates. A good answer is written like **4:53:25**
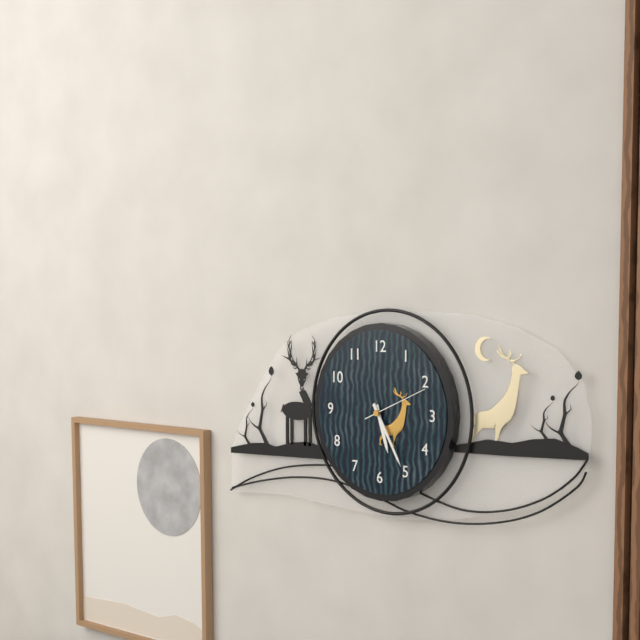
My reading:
**5:25:11**
